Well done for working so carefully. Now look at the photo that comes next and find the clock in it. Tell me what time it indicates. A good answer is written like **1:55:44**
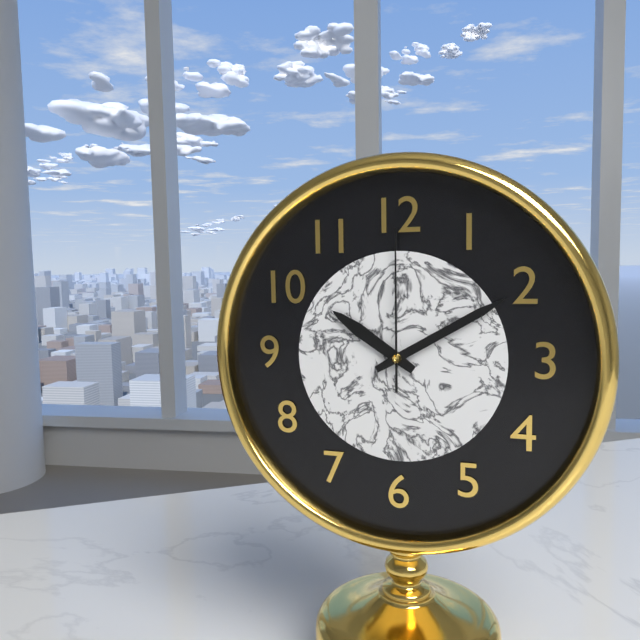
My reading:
**10:10:00**
